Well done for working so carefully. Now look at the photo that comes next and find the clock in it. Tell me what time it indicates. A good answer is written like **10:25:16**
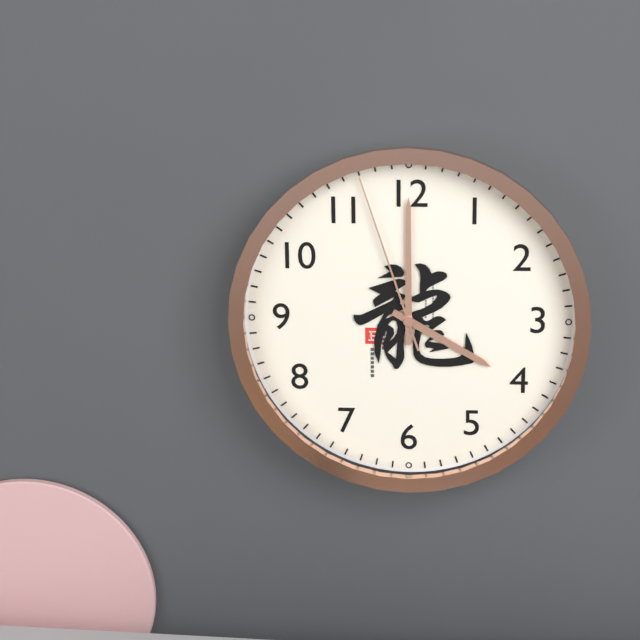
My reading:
**4:00:57**
